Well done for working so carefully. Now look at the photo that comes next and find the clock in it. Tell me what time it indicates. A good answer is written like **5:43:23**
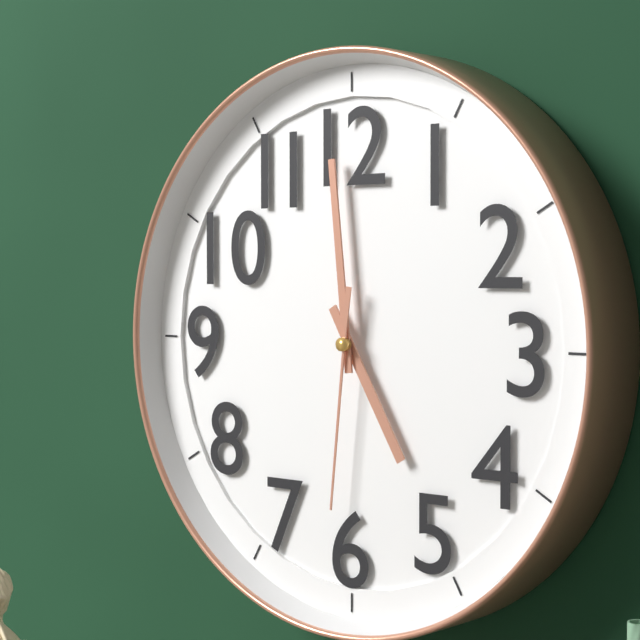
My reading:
**4:59:31**
